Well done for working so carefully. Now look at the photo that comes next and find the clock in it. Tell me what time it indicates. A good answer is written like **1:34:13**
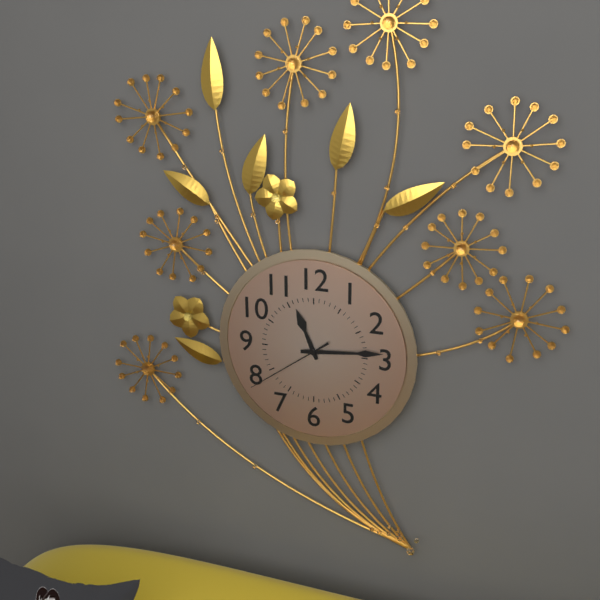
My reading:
**11:14:39**
